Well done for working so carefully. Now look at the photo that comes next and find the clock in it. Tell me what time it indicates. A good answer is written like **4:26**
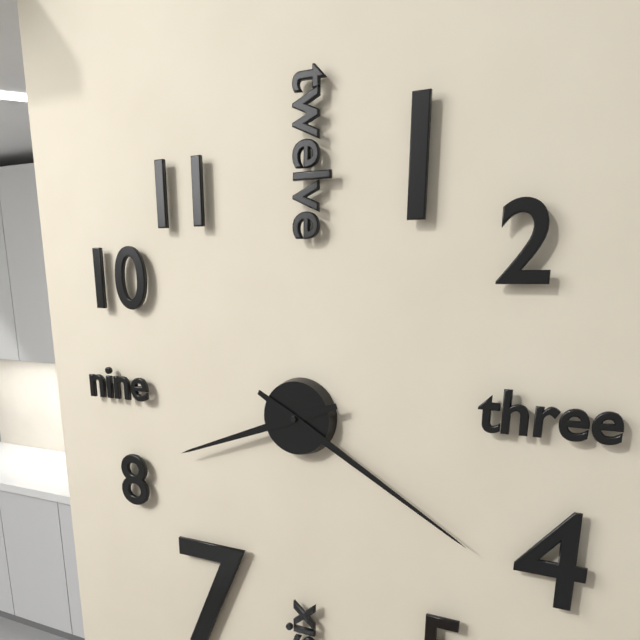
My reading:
**8:20**
